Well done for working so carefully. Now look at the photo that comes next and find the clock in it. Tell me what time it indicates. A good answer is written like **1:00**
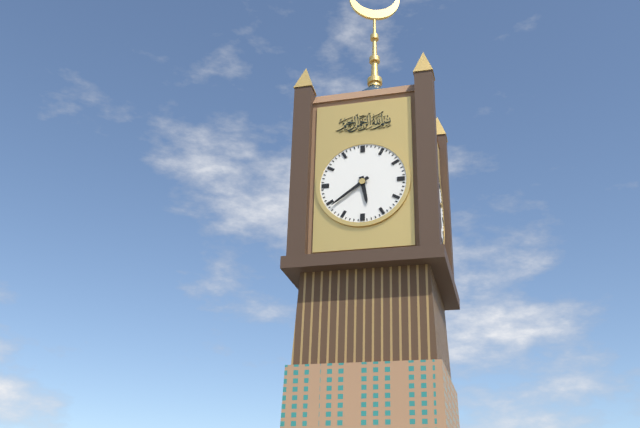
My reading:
**5:39**
